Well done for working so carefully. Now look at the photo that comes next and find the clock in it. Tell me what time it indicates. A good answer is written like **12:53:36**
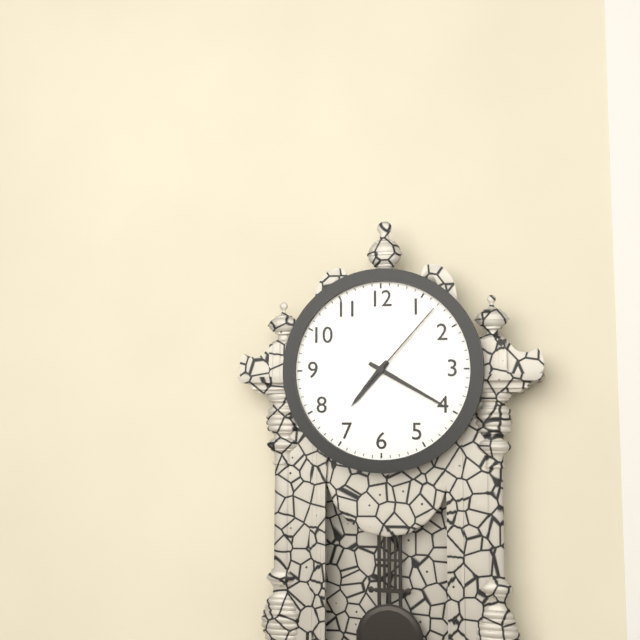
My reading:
**7:20:07**
